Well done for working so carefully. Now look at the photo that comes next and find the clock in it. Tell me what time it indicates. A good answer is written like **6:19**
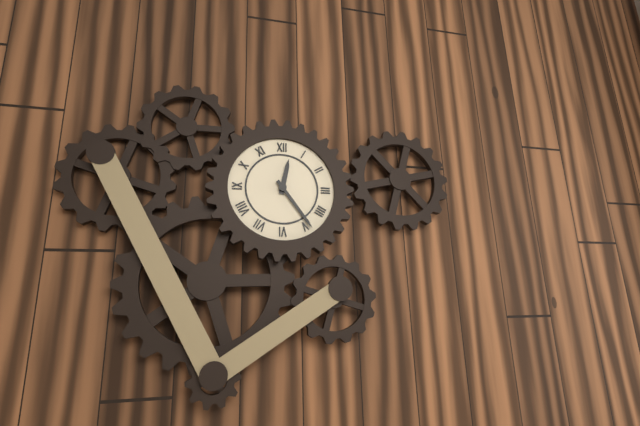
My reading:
**12:24**
